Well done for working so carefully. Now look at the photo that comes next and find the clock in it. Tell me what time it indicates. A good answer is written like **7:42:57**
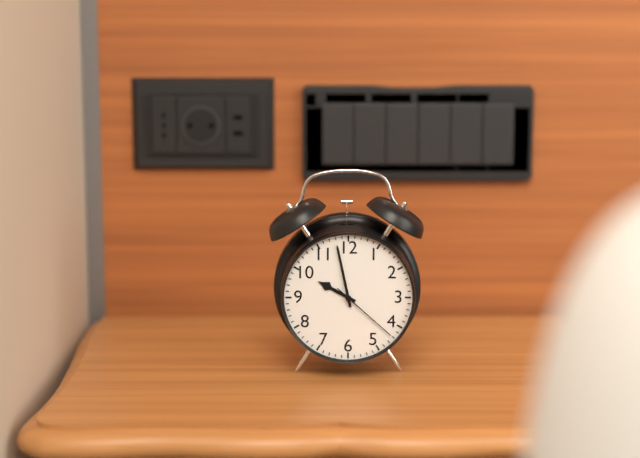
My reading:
**9:58:22**
